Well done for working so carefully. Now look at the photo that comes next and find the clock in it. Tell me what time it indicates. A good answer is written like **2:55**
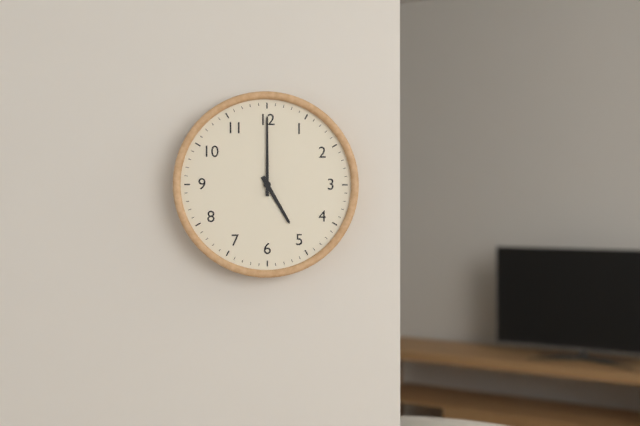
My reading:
**5:00**
